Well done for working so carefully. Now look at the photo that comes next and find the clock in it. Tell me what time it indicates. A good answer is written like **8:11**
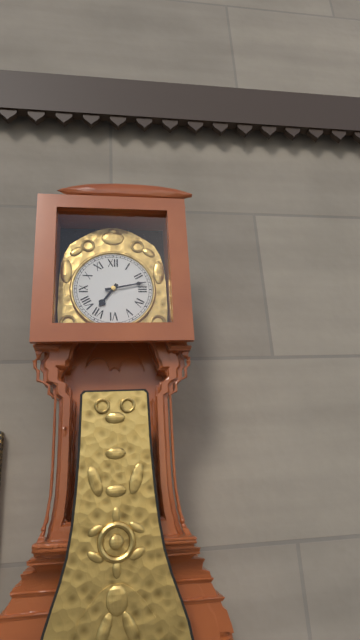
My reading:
**7:13**
